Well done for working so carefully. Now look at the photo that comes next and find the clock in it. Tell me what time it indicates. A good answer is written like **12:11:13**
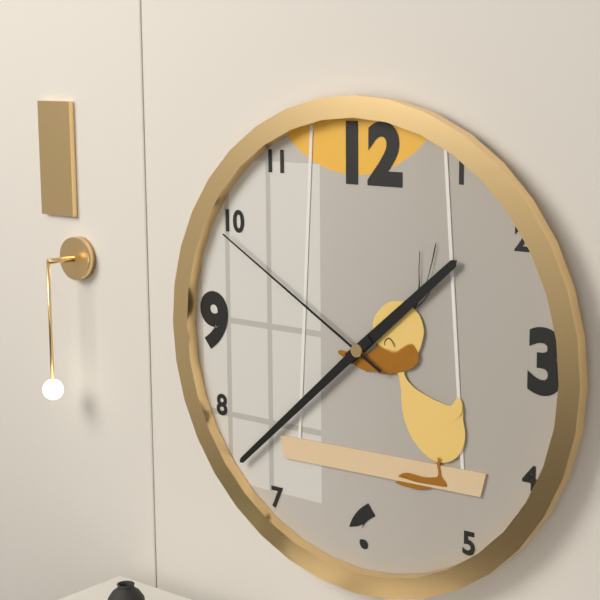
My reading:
**1:38:50**
